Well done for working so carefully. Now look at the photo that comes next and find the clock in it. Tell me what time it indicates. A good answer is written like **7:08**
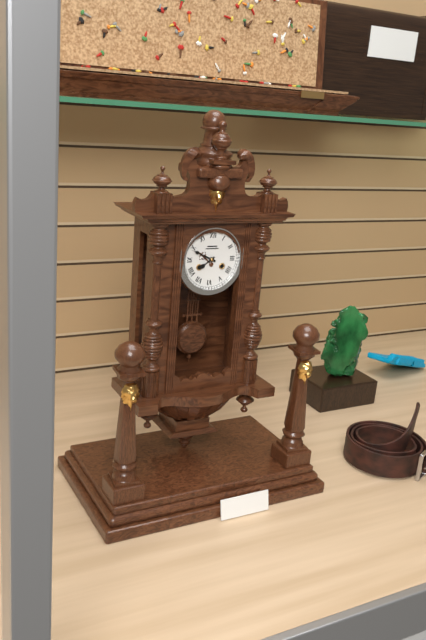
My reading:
**7:49**
